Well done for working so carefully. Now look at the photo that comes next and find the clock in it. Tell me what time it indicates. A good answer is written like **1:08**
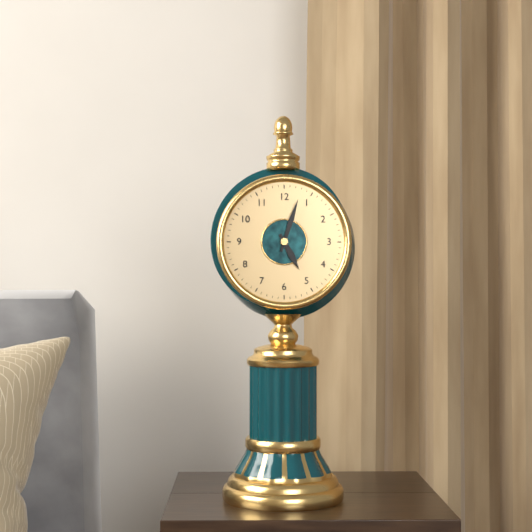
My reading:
**5:03**
